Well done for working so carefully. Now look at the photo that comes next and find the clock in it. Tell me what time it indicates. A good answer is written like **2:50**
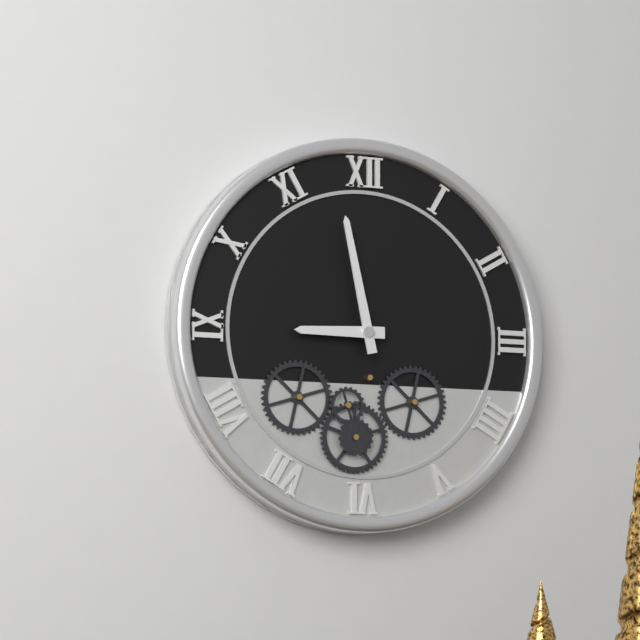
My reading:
**8:58**
